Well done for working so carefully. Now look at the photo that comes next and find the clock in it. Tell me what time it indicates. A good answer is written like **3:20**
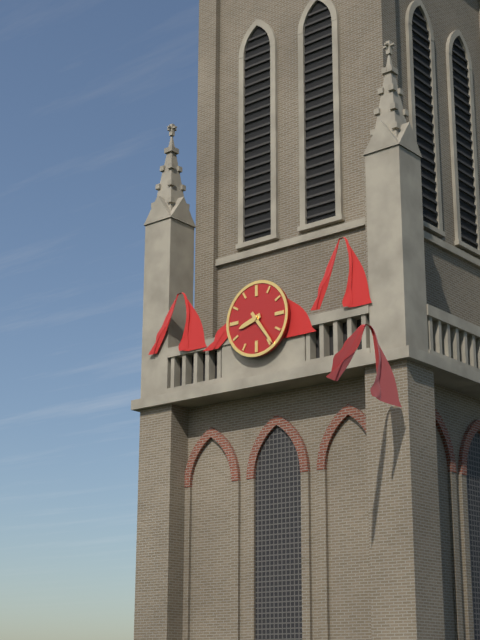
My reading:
**8:24**
